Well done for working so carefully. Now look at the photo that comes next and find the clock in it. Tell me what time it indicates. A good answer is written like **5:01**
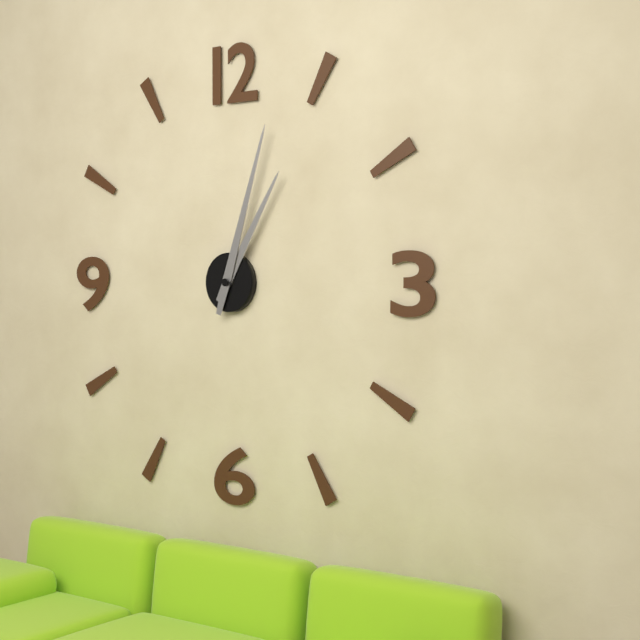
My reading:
**1:03**
